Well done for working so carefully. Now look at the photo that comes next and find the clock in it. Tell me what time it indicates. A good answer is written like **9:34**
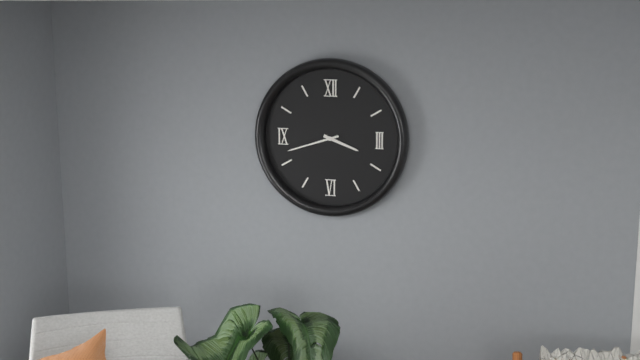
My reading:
**3:42**
